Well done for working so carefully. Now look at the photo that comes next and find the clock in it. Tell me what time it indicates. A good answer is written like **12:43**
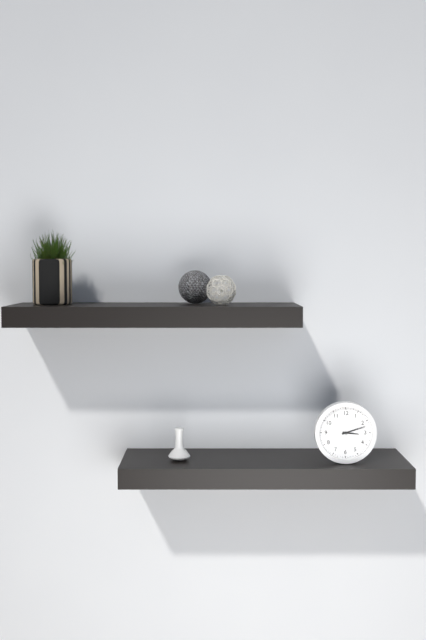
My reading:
**3:12**
